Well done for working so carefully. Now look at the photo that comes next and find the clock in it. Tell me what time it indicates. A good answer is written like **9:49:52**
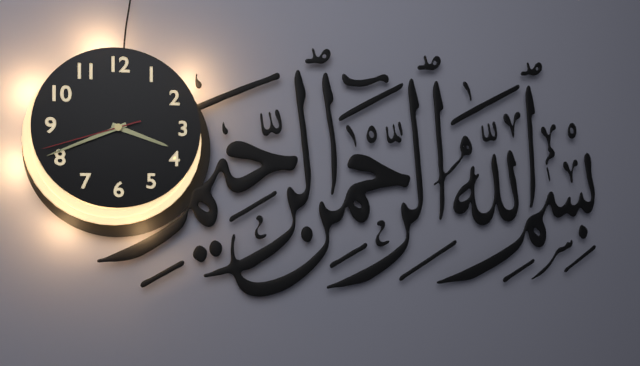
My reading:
**3:41:42**
